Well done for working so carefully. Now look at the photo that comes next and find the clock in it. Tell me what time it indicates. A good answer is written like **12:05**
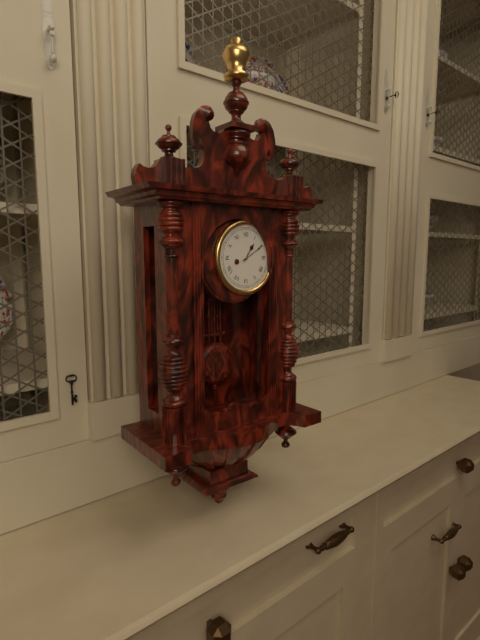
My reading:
**1:10**
